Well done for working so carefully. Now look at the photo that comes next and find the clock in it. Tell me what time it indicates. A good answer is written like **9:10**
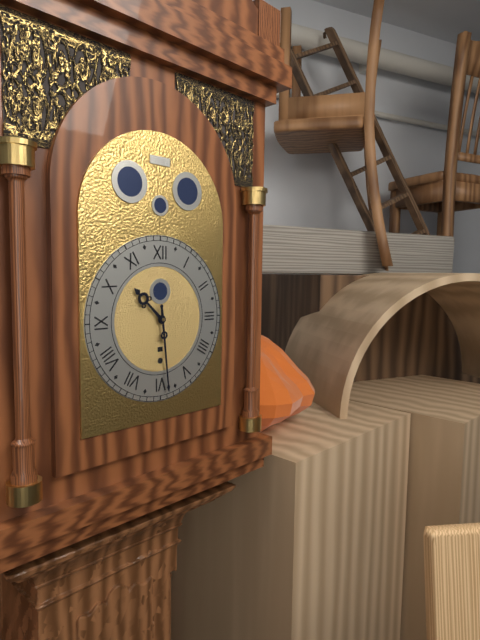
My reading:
**10:29**
